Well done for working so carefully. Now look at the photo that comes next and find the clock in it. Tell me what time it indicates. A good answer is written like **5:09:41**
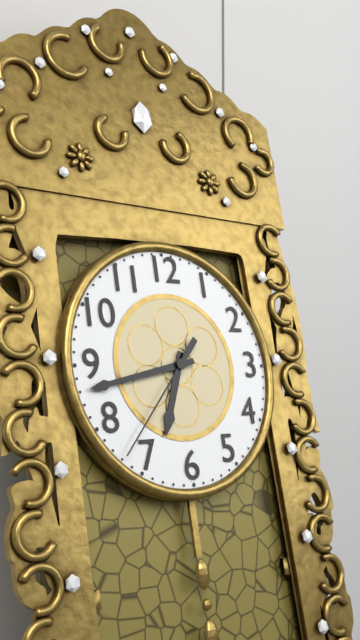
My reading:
**6:43:37**
